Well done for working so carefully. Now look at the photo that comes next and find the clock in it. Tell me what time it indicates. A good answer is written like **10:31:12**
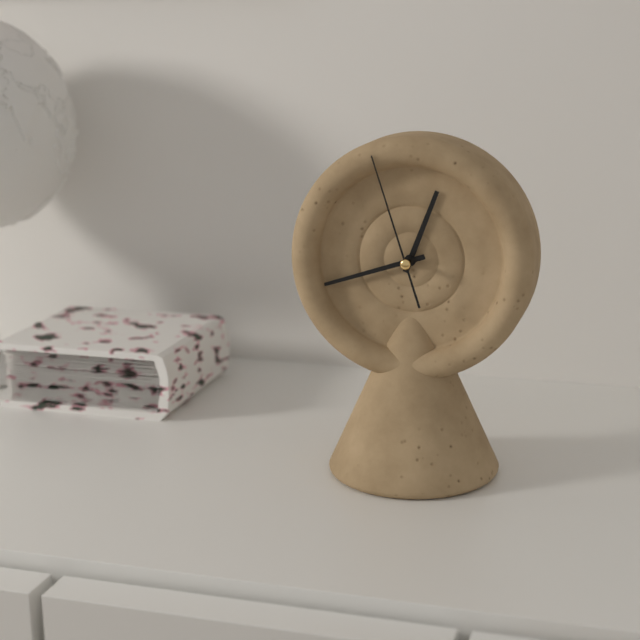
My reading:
**12:42:57**
